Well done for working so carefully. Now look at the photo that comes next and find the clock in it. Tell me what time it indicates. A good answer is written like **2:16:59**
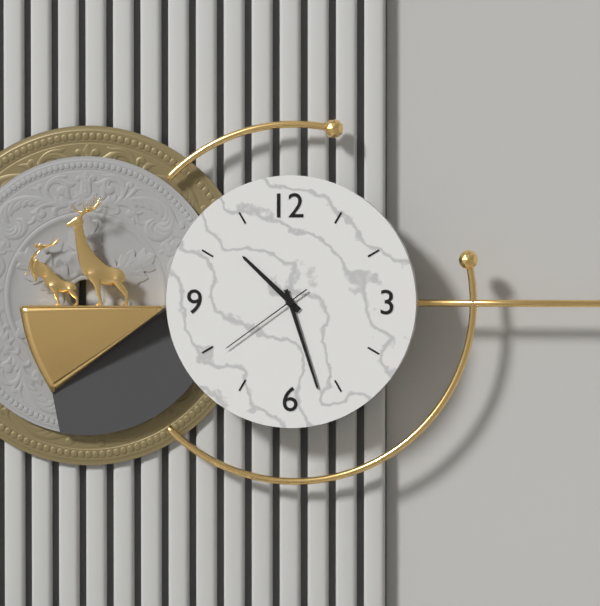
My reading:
**10:27:39**
